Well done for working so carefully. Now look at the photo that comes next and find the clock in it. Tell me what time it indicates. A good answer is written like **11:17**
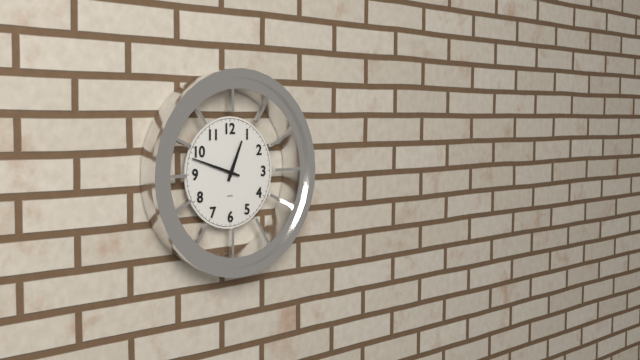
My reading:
**12:48**
